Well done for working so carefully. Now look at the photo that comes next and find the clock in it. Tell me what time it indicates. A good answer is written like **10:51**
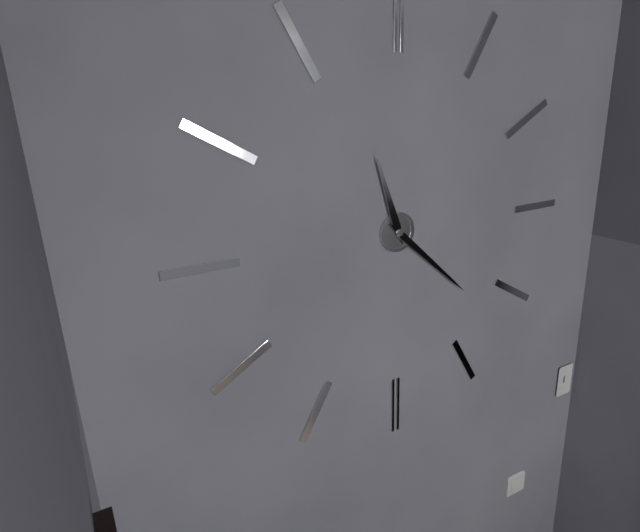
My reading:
**11:22**
